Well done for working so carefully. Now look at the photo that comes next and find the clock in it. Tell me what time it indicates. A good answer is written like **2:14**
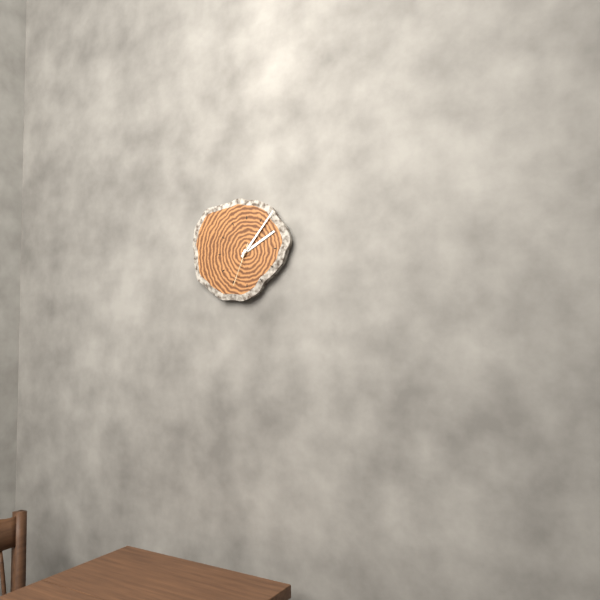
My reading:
**2:07**
